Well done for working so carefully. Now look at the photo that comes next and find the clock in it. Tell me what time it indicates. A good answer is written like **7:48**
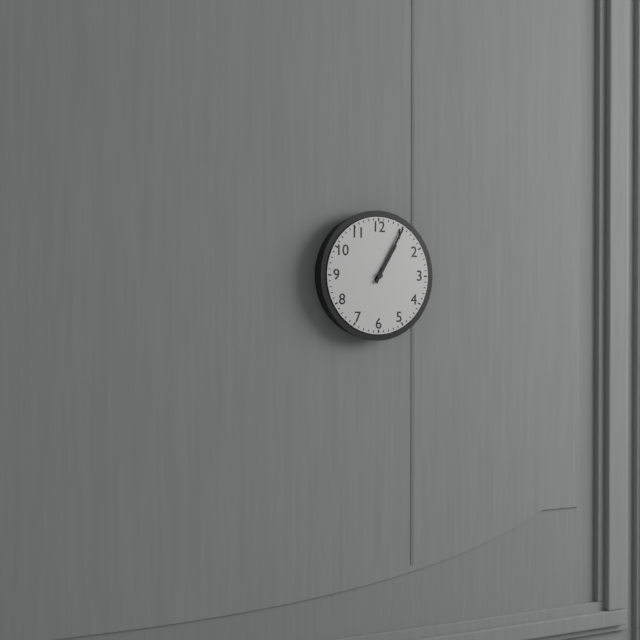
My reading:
**1:05**
